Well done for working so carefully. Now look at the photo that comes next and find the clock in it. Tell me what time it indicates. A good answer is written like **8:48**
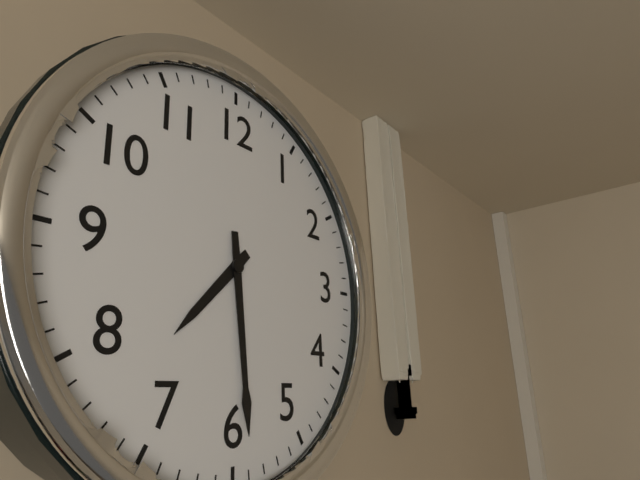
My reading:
**7:29**
